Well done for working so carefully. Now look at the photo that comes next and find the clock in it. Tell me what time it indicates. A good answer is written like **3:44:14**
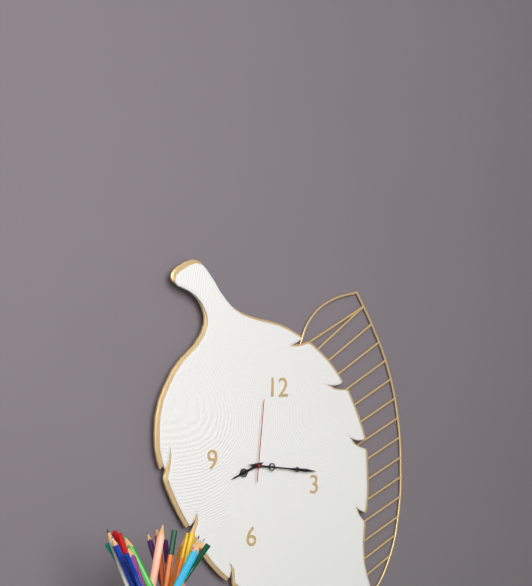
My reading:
**8:16:01**
